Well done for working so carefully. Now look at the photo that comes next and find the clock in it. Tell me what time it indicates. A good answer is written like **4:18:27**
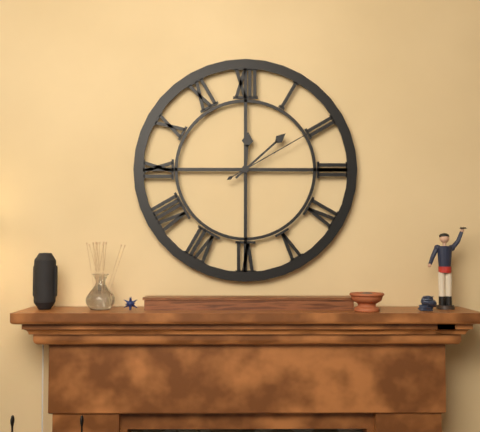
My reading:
**12:08:10**
